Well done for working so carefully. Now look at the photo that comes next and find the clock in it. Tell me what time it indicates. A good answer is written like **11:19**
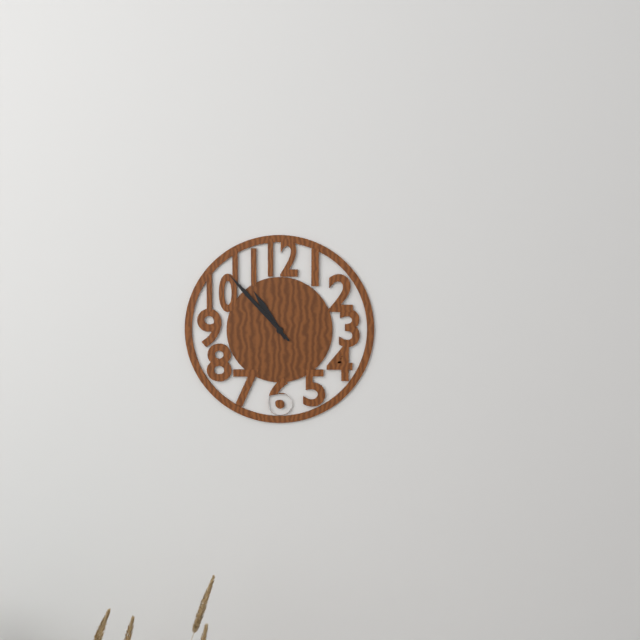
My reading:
**10:53**
